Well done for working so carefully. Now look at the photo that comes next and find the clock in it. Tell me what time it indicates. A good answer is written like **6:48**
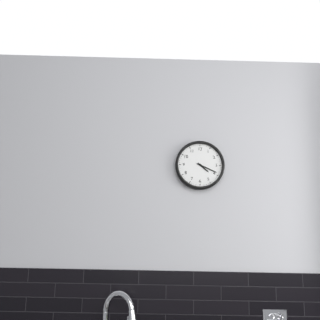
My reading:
**4:19**
